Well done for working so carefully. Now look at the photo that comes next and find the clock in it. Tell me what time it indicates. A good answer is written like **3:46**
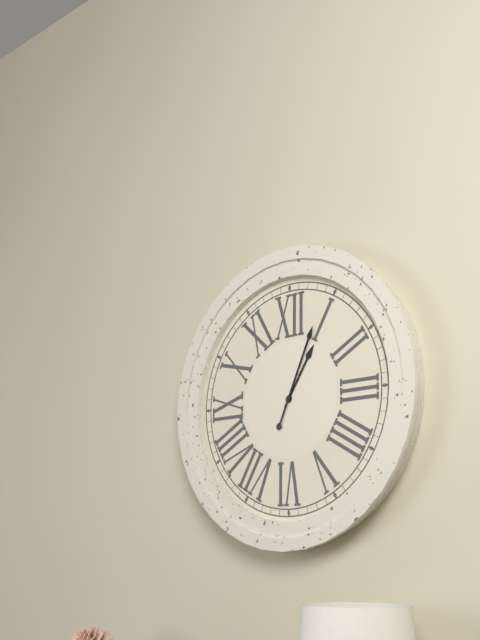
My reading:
**1:04**
